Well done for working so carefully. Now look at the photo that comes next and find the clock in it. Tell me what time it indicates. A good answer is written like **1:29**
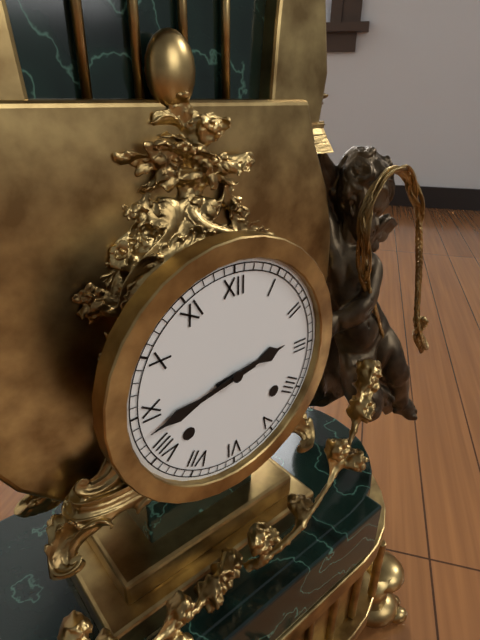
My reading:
**2:43**
